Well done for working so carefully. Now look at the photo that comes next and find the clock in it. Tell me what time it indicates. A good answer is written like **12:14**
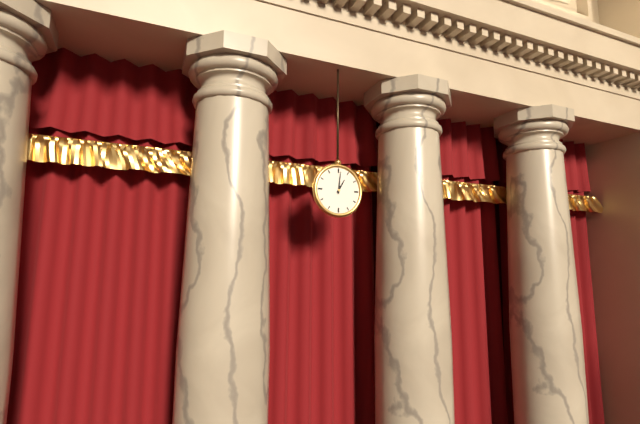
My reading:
**1:01**
